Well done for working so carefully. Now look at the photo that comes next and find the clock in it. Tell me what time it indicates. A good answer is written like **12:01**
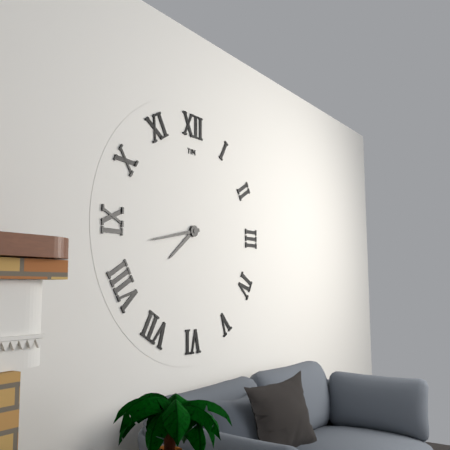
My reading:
**7:43**
